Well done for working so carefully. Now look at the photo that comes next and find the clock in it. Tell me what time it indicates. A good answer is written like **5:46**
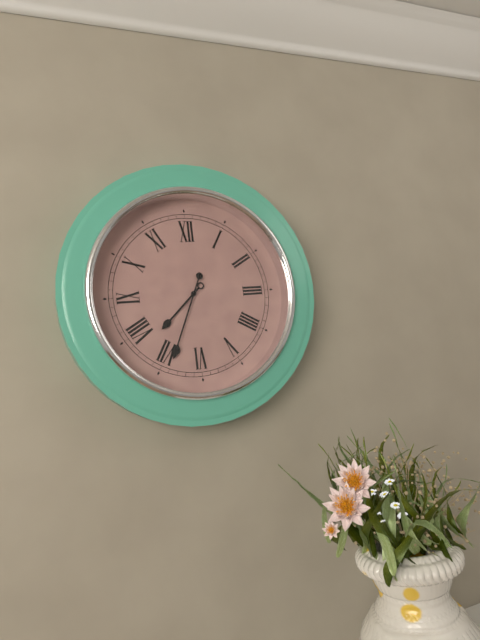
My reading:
**7:34**
